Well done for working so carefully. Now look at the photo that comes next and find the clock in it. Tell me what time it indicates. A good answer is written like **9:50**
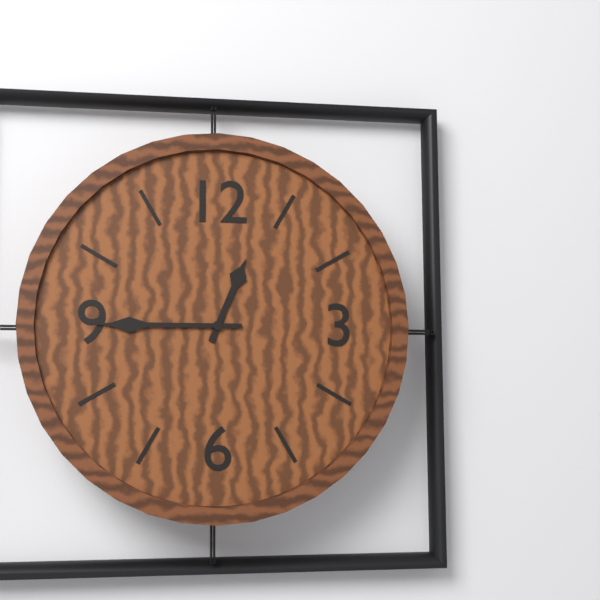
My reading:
**12:45**
